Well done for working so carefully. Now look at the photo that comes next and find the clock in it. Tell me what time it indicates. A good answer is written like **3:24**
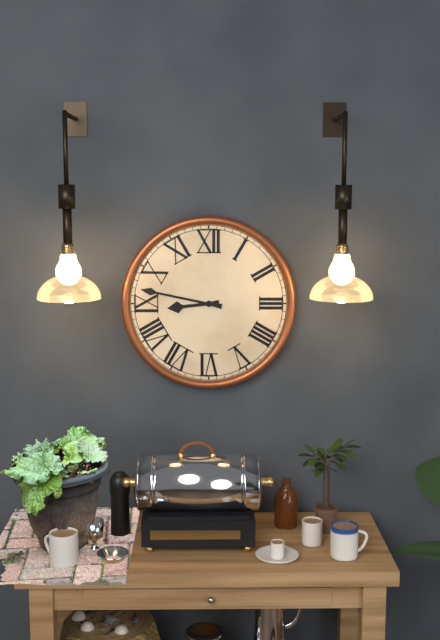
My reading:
**8:47**
